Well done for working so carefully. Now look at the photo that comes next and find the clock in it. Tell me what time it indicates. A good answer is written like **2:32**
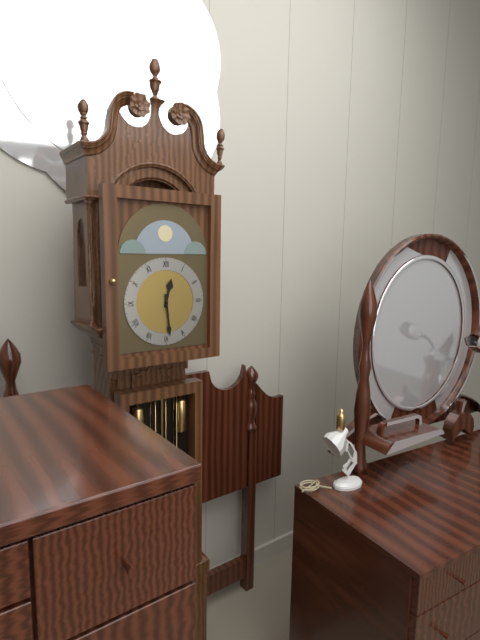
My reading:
**12:29**
